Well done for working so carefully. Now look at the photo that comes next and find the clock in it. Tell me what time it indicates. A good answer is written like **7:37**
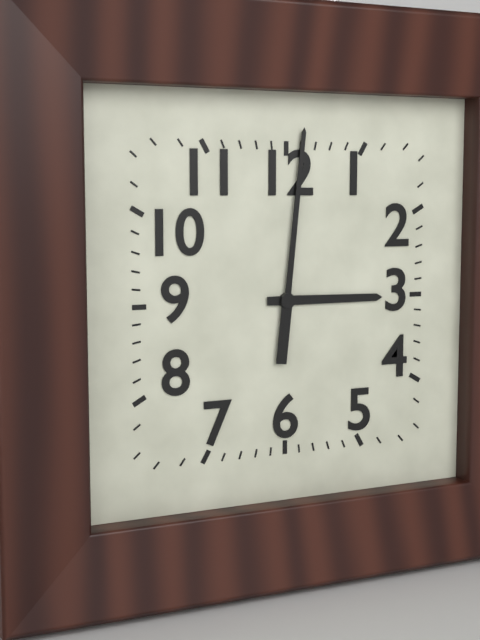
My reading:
**3:01**
